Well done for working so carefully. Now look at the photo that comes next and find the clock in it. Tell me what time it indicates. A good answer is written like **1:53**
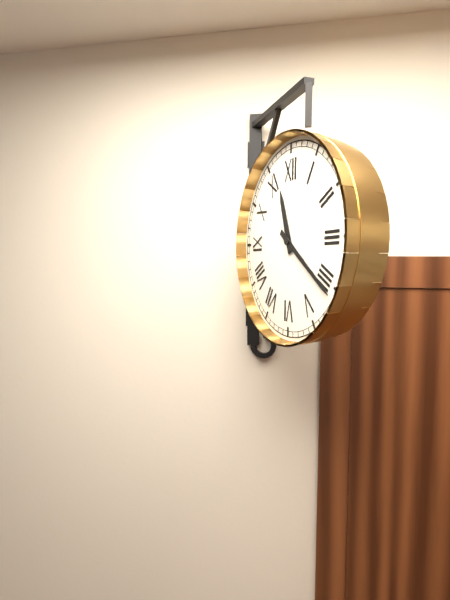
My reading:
**11:21**
